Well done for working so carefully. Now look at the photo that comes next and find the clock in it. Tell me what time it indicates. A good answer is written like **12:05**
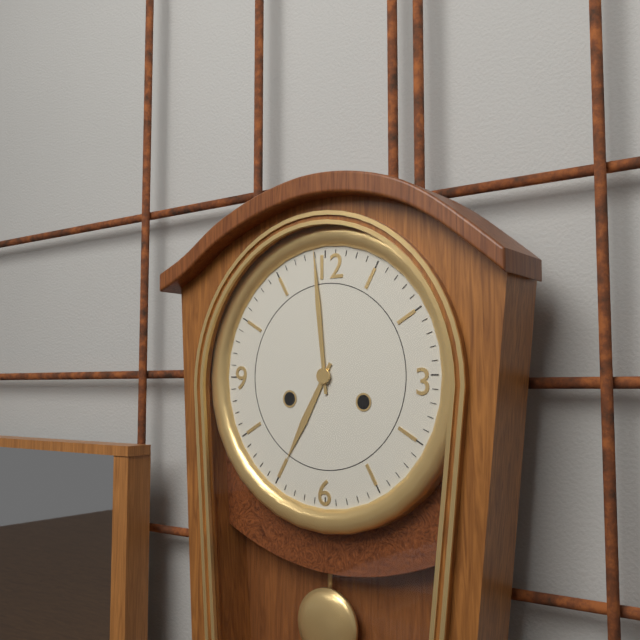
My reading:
**6:59**
